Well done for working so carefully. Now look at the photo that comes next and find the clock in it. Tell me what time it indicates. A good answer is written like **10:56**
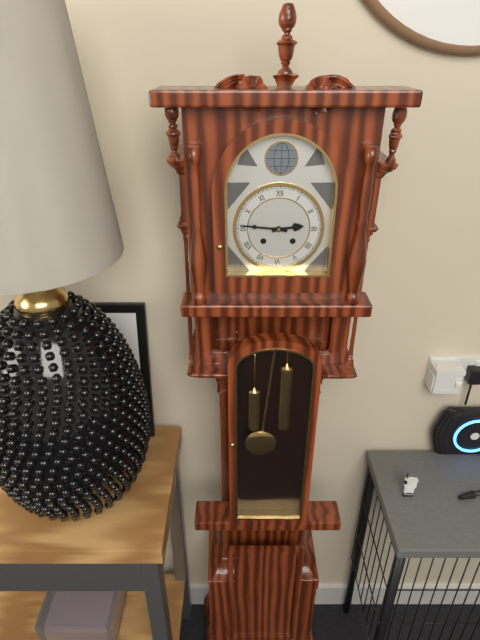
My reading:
**2:46**
